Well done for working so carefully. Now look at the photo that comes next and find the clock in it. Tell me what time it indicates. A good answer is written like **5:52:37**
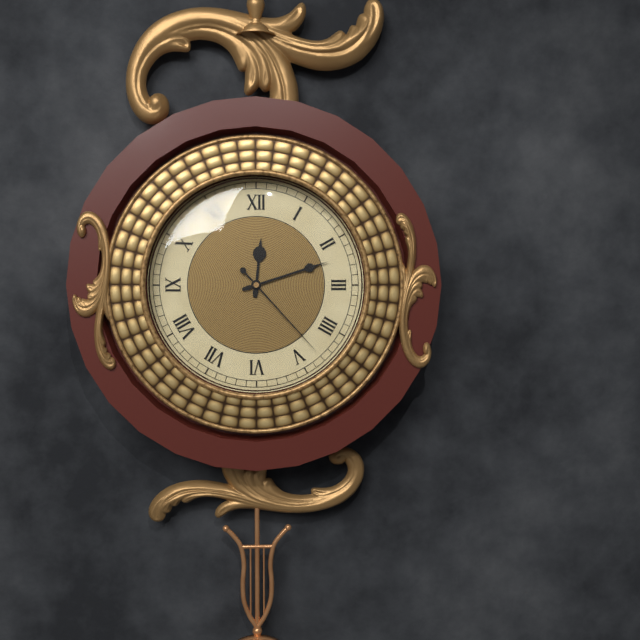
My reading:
**12:12:23**
